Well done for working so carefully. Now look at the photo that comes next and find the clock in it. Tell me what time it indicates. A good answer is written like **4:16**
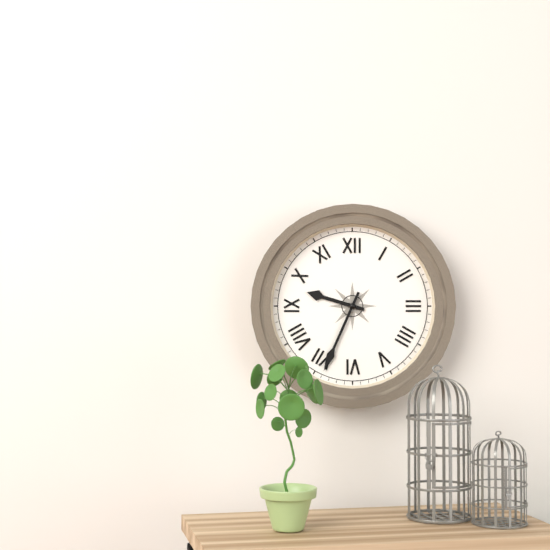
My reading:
**9:34**
